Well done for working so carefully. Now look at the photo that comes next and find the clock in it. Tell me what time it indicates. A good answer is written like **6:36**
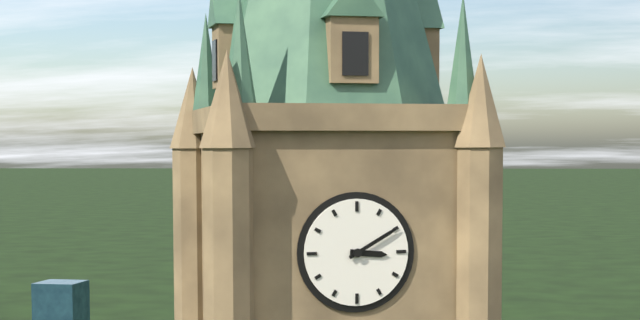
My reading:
**3:10**
